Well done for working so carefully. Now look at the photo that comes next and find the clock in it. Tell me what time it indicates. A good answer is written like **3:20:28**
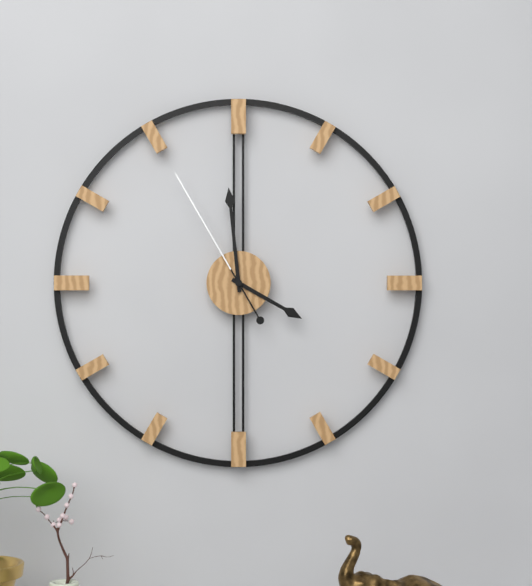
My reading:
**3:59:55**
